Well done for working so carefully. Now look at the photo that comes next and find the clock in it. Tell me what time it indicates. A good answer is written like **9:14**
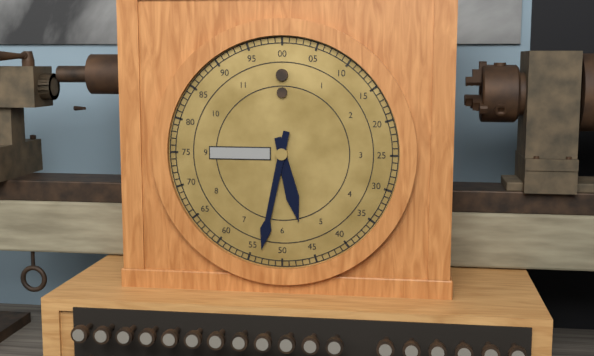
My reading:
**5:32**
